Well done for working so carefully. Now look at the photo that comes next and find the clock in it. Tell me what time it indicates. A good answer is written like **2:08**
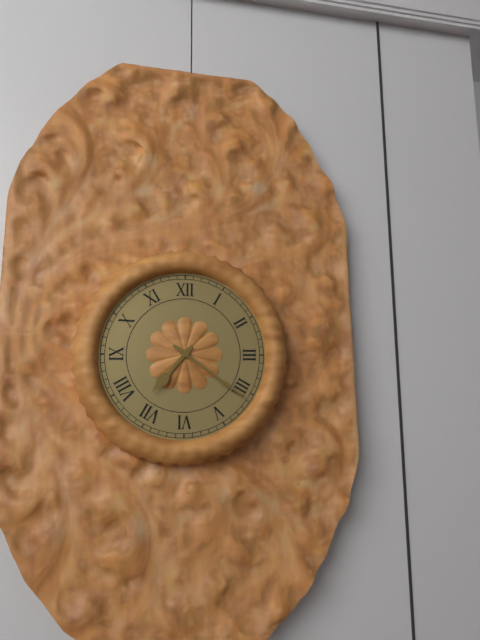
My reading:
**7:21**
